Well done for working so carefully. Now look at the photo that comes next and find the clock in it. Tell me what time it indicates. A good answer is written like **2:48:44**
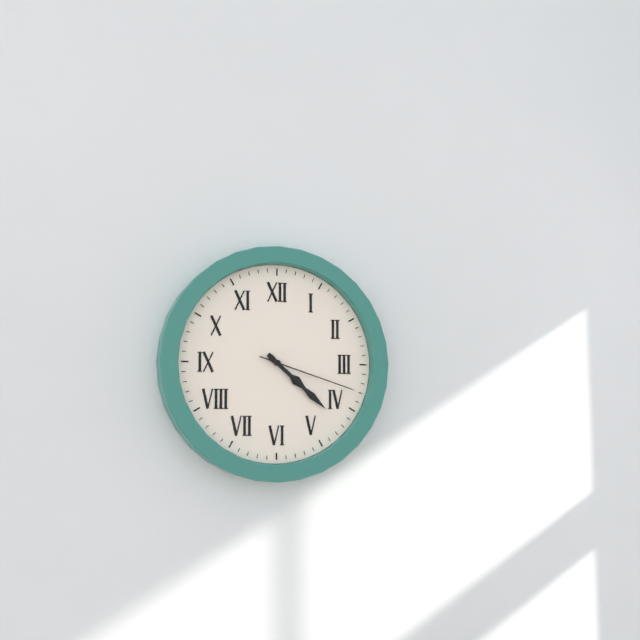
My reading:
**4:22:18**
